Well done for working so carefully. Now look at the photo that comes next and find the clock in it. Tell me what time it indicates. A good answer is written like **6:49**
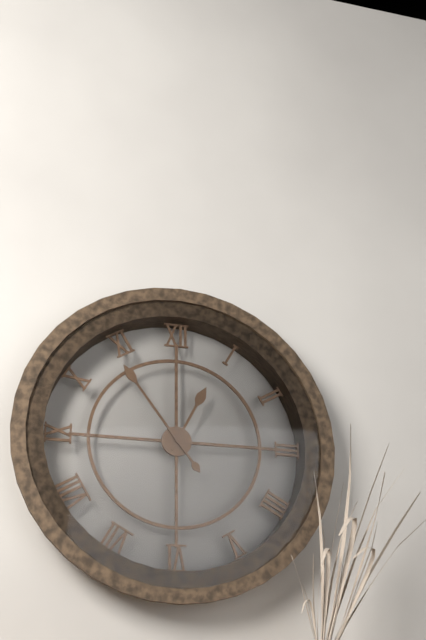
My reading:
**12:54**
